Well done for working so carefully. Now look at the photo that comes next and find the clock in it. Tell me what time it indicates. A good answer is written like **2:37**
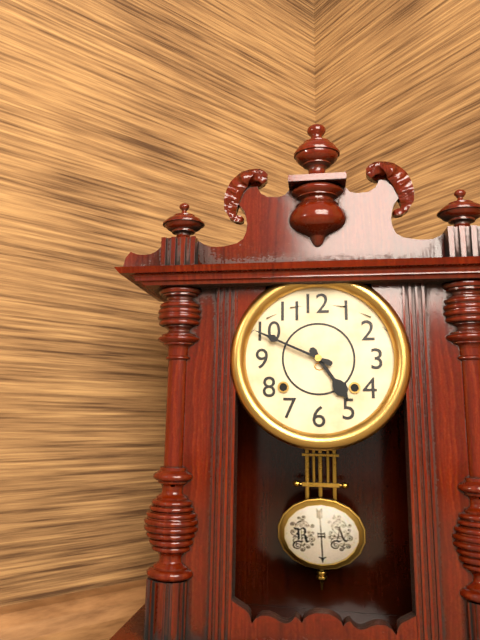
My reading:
**4:49**
